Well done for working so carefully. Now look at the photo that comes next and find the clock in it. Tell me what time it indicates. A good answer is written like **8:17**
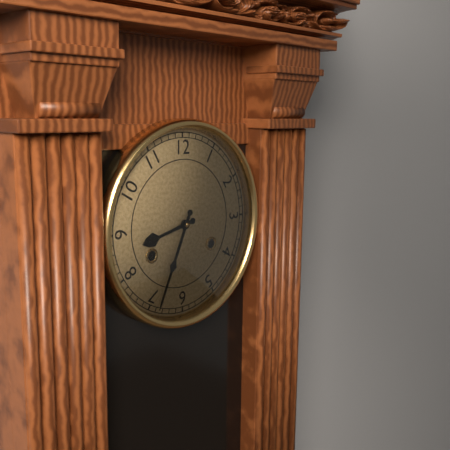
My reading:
**8:34**
